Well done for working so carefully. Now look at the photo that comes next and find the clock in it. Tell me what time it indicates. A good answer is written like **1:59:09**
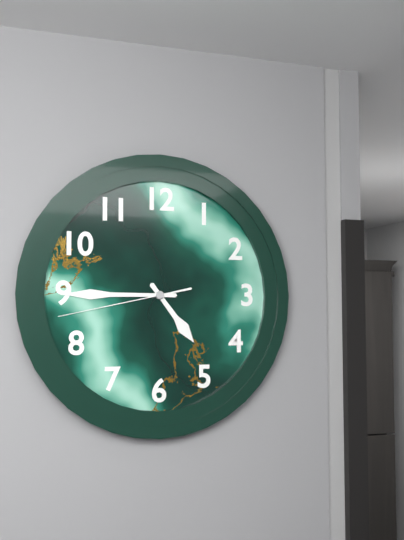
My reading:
**4:45:43**
